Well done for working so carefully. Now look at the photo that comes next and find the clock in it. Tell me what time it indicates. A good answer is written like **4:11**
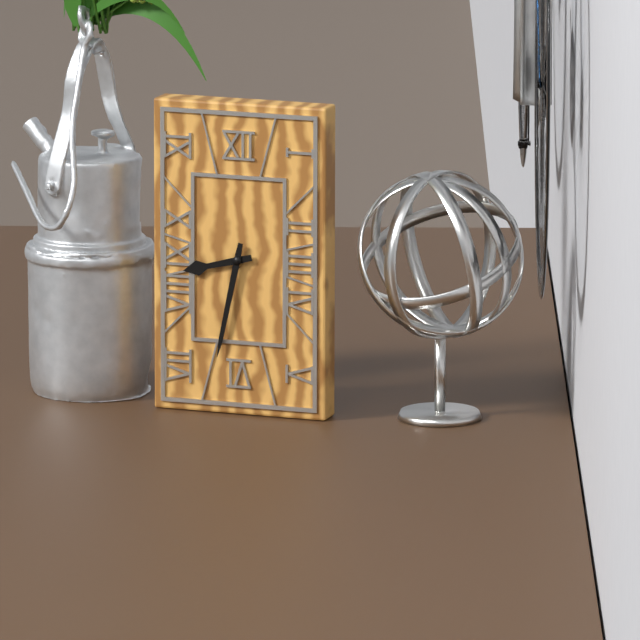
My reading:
**8:32**
